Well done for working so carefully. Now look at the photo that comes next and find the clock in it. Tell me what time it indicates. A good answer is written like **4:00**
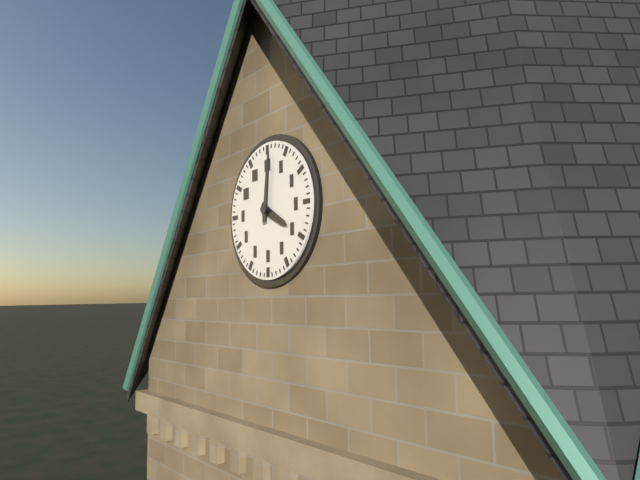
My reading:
**4:01**
